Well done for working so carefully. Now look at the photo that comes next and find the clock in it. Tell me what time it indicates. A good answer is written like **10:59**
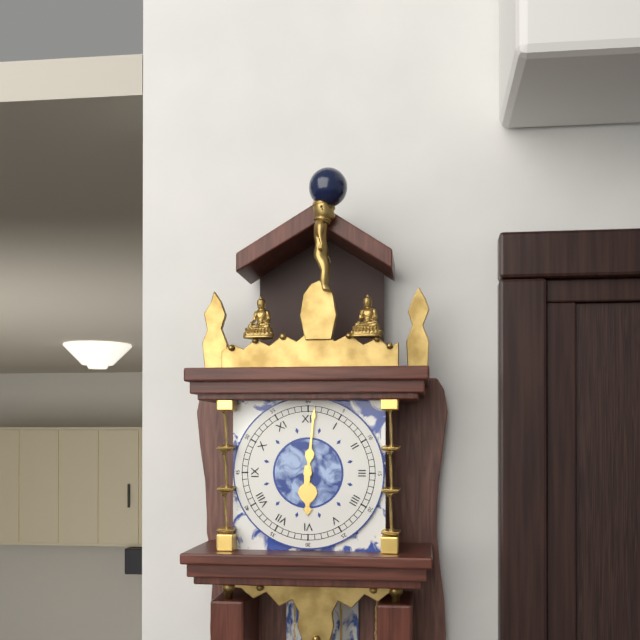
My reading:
**6:01**
